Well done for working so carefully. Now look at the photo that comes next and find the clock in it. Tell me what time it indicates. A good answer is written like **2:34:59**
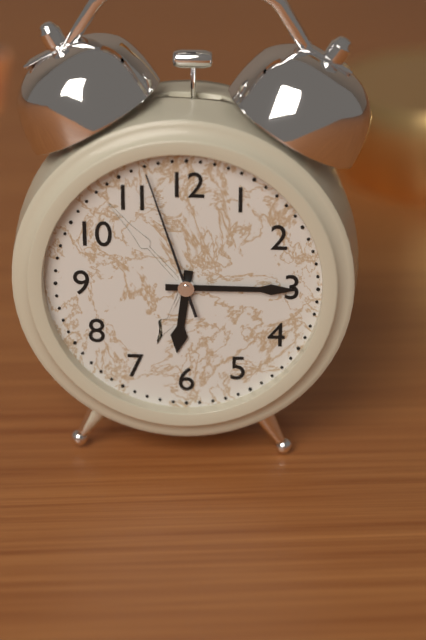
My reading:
**6:15:57**
